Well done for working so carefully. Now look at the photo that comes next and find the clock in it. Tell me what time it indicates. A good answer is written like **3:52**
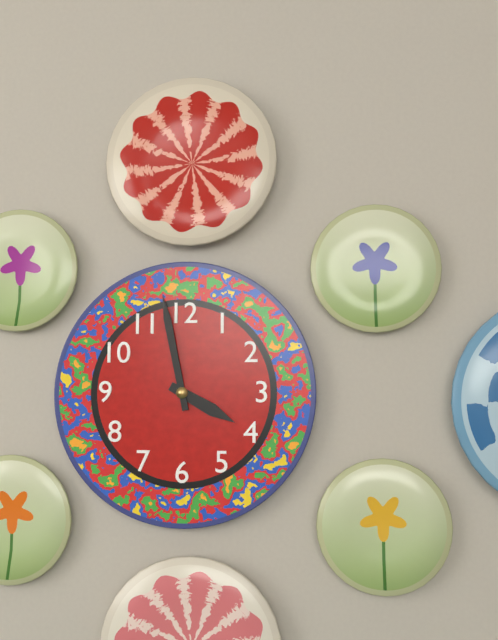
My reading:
**3:58**
